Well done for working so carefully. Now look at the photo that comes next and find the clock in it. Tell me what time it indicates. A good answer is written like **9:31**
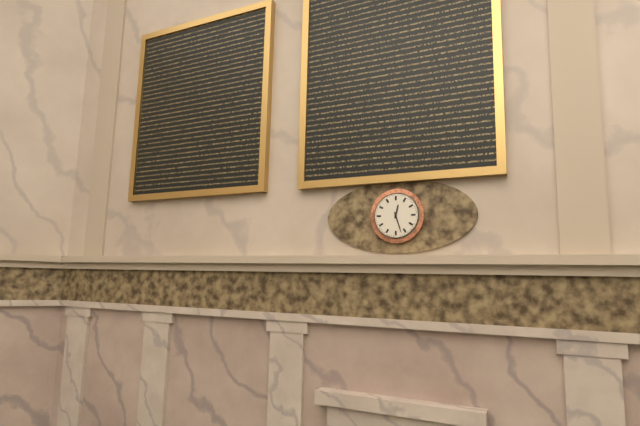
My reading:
**12:27**
